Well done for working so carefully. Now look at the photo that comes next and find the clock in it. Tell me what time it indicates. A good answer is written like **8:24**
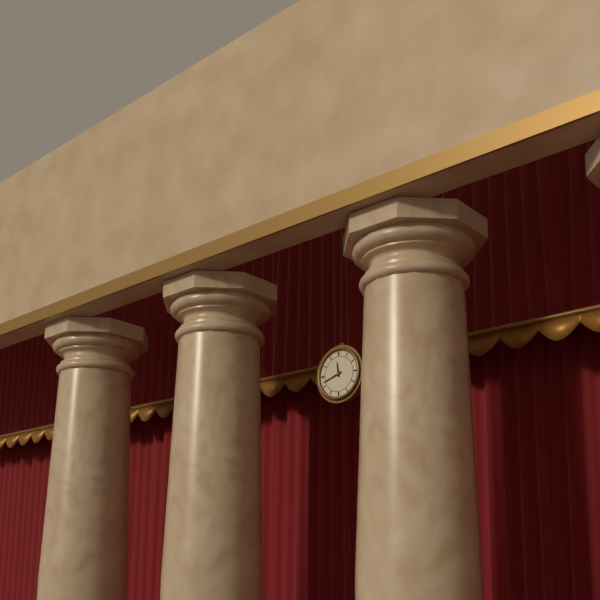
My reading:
**11:42**
